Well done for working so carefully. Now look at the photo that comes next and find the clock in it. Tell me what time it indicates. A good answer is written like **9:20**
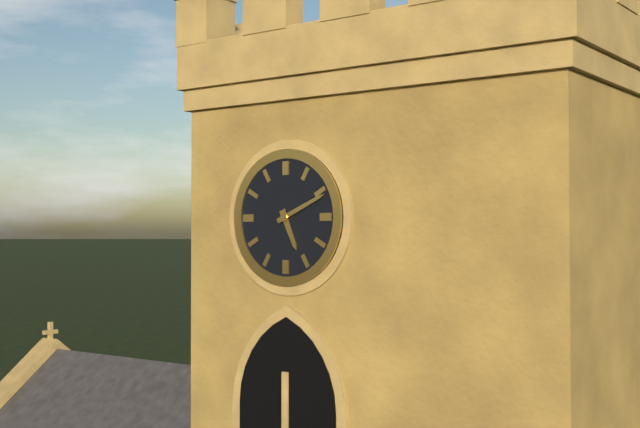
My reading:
**5:11**
